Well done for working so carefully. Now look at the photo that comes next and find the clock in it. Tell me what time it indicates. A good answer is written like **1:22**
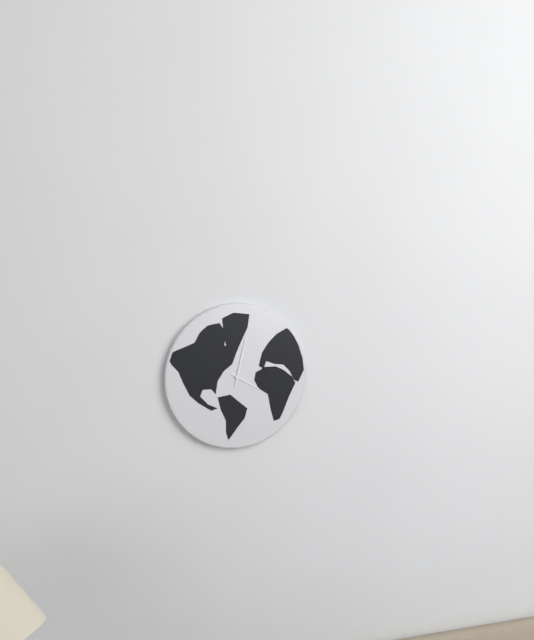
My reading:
**4:02**
